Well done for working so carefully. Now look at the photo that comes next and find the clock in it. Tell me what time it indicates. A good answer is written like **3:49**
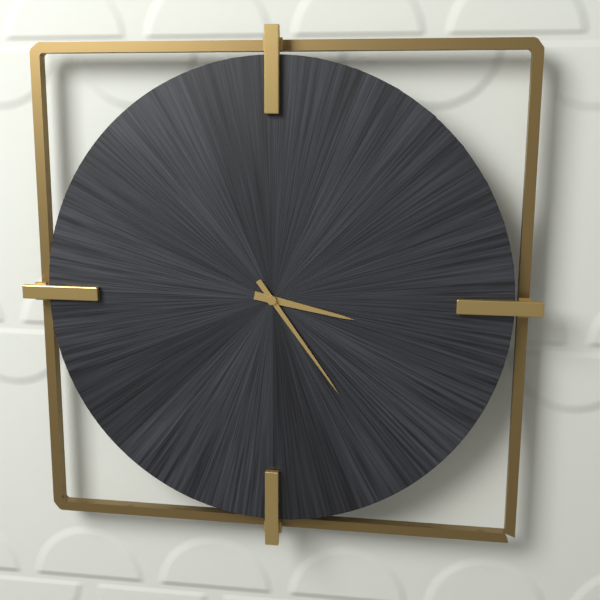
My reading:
**3:24**
